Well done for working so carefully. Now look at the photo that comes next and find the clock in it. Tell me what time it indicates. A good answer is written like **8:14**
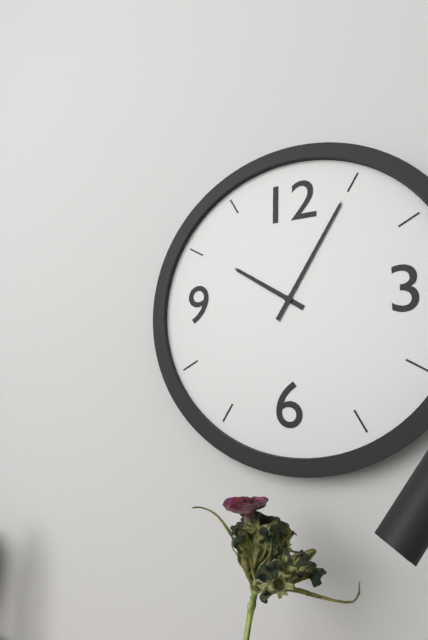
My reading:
**10:05**
